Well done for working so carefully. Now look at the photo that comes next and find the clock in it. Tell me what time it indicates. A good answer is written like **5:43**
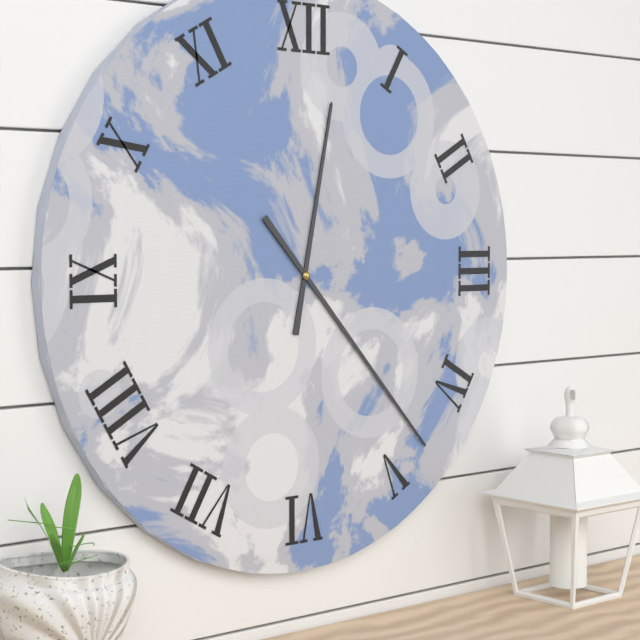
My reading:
**12:23**
